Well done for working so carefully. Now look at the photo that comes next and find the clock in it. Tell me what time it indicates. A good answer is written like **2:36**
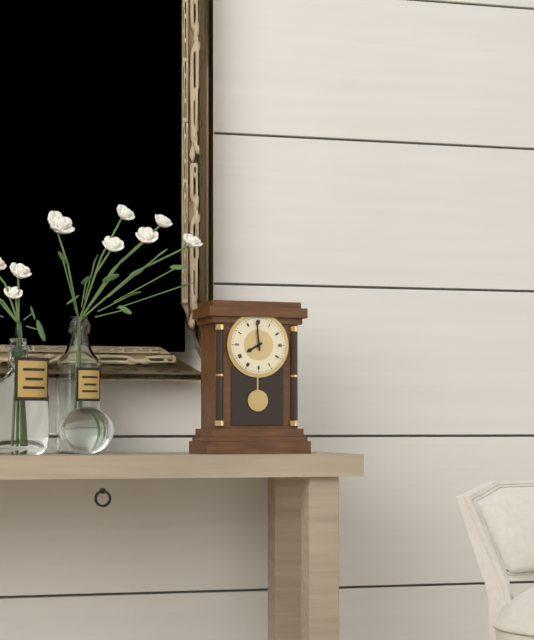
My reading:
**7:59**
